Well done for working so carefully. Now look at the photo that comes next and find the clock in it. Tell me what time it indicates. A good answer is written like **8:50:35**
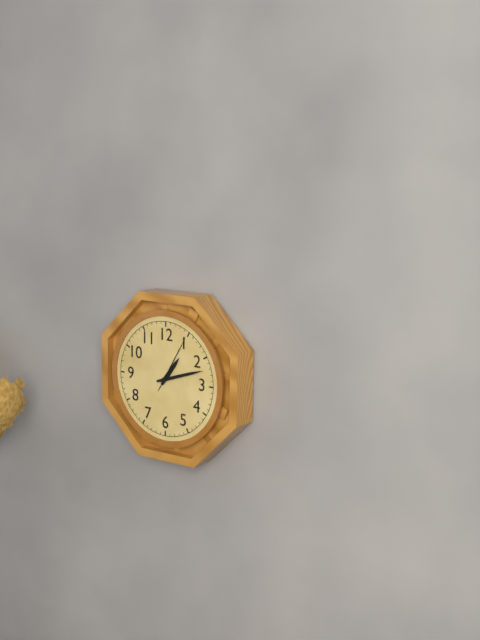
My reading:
**1:12:05**
